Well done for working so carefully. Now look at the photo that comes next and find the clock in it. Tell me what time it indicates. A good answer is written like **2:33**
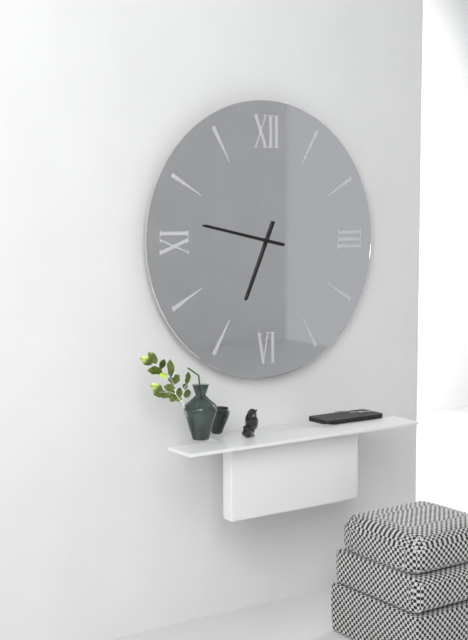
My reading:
**6:47**
